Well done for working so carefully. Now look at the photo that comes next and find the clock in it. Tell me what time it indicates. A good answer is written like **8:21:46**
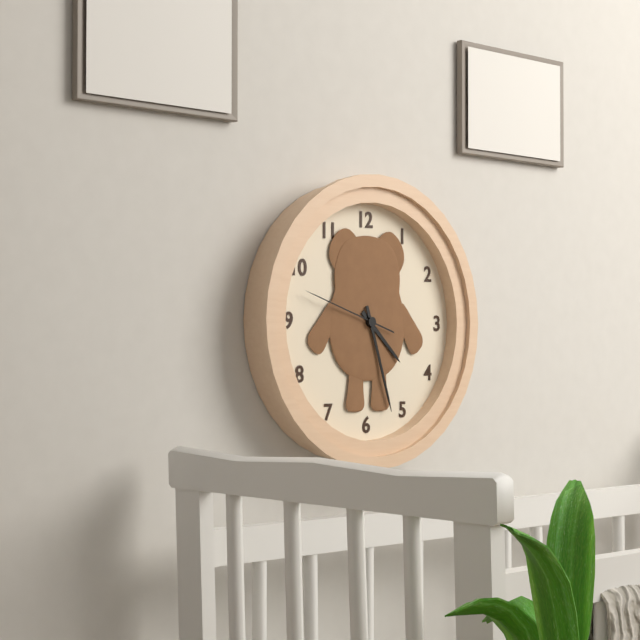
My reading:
**4:27:48**
